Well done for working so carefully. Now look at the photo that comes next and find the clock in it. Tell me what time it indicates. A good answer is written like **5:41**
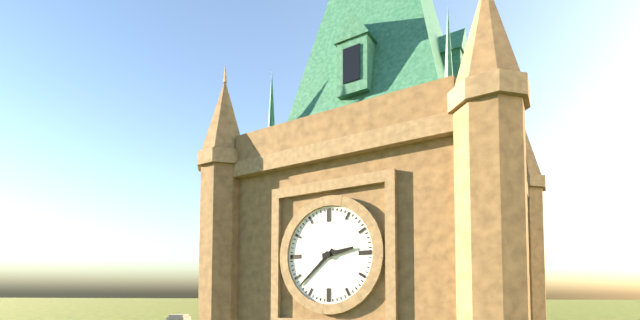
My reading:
**2:38**
